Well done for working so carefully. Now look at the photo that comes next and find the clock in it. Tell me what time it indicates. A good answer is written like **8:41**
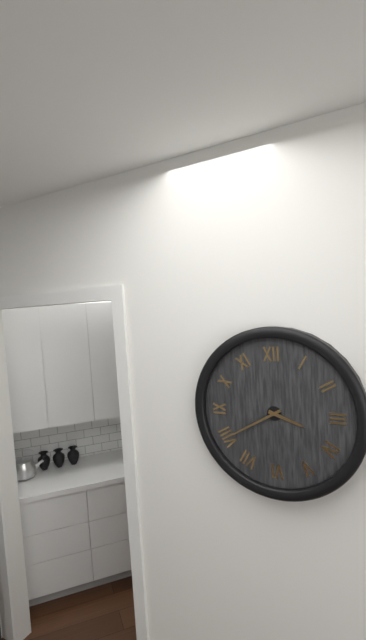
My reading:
**3:40**
